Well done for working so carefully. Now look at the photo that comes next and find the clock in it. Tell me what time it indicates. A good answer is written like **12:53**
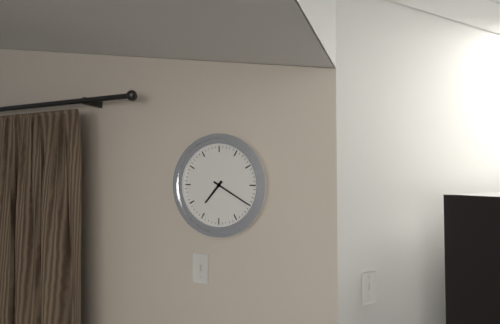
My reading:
**7:20**
